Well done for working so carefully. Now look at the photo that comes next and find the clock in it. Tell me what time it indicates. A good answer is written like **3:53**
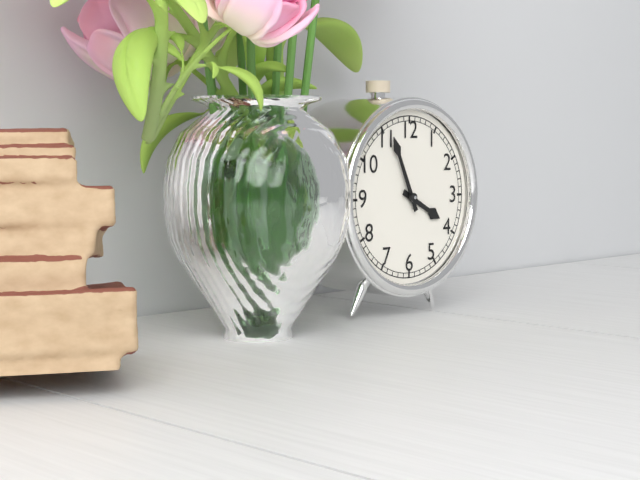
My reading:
**3:56**
